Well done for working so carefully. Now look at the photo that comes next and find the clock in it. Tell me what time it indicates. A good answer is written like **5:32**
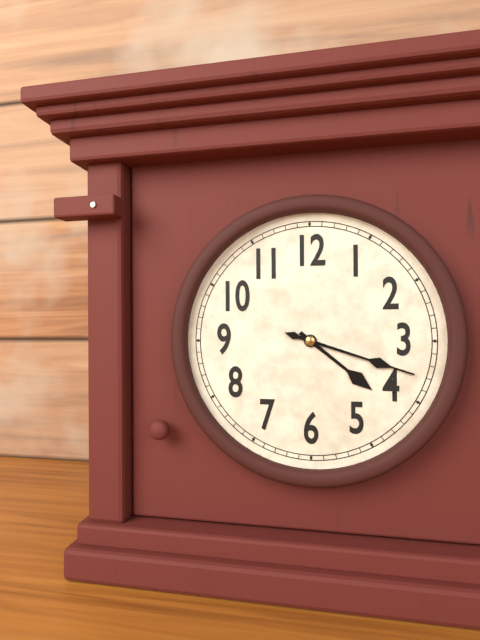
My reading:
**4:18**
